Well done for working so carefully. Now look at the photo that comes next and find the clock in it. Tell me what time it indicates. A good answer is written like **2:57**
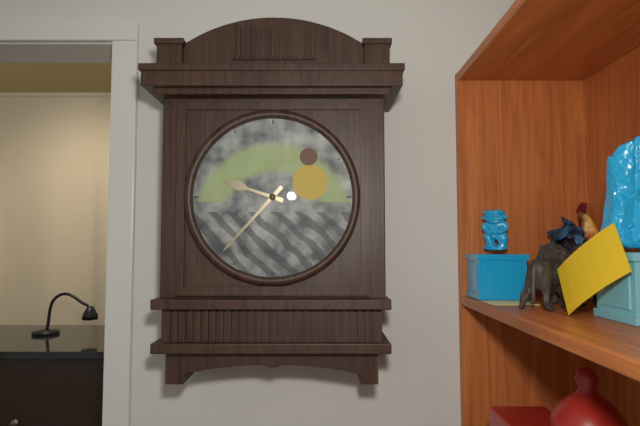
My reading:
**9:37**
